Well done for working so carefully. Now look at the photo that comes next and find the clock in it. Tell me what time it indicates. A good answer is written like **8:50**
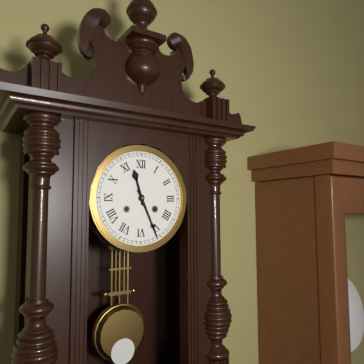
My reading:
**11:26**
